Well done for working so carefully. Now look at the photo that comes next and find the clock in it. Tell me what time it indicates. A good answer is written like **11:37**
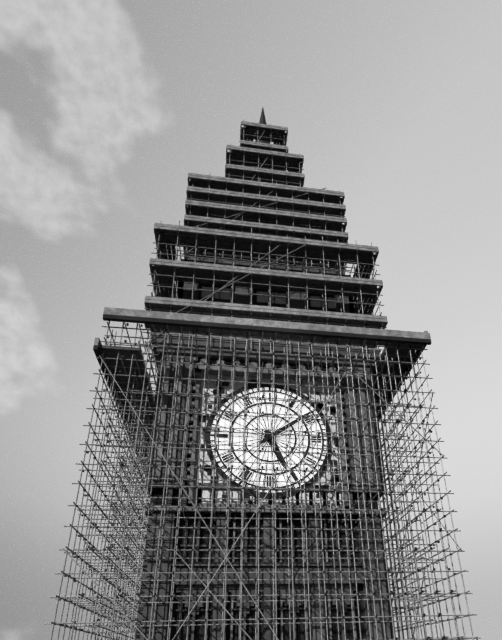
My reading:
**5:09**
